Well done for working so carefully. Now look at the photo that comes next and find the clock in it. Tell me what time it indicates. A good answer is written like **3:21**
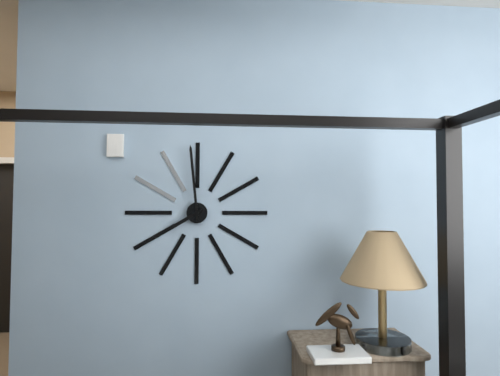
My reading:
**7:59**
